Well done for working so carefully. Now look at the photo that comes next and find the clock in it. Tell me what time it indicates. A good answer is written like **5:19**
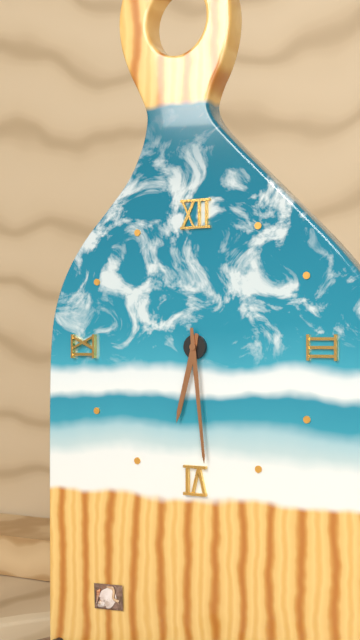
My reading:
**6:29**
